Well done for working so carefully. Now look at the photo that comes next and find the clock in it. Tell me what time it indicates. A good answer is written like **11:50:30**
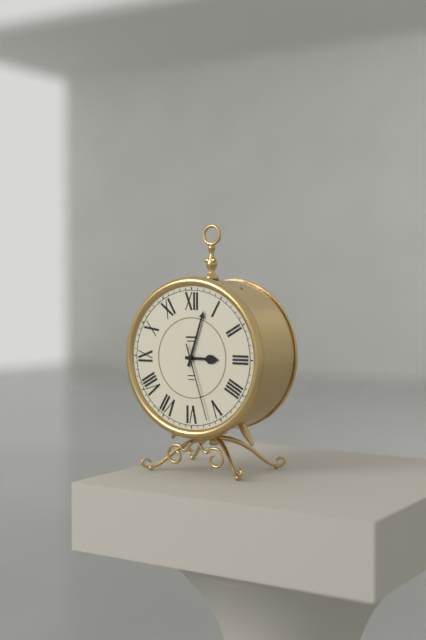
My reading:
**3:03:27**
